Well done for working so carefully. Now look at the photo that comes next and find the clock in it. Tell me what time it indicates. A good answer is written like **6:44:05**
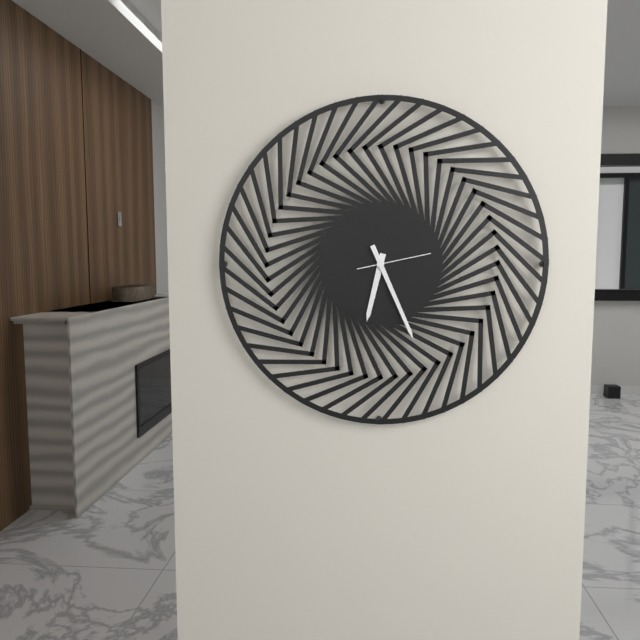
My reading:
**6:26:13**
